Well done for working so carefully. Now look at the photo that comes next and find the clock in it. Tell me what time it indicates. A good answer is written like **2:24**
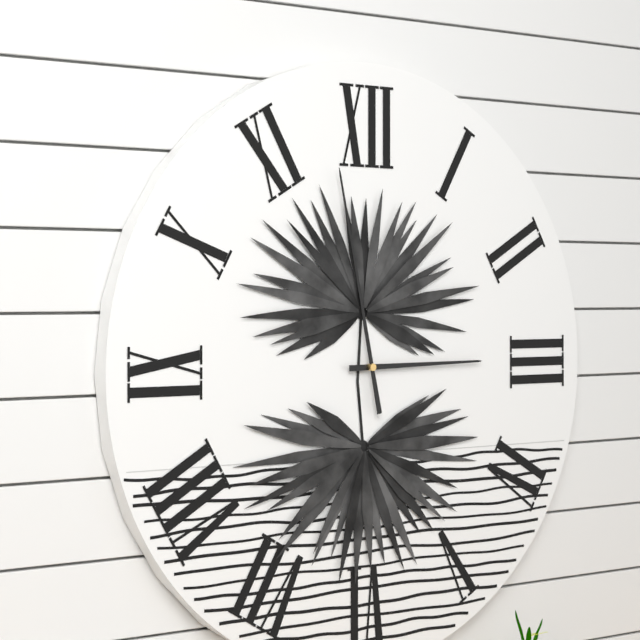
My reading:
**2:58**
